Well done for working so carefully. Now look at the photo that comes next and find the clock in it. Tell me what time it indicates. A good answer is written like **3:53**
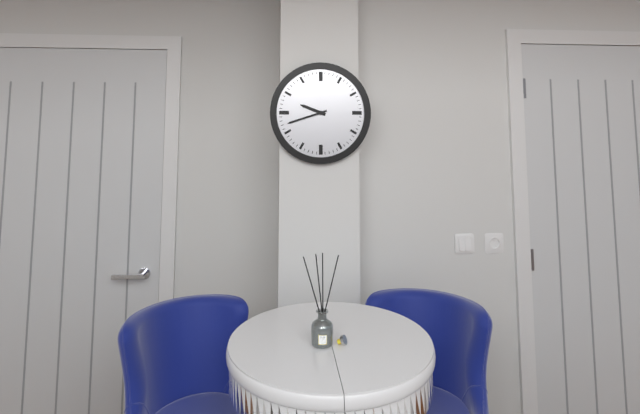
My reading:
**9:42**
